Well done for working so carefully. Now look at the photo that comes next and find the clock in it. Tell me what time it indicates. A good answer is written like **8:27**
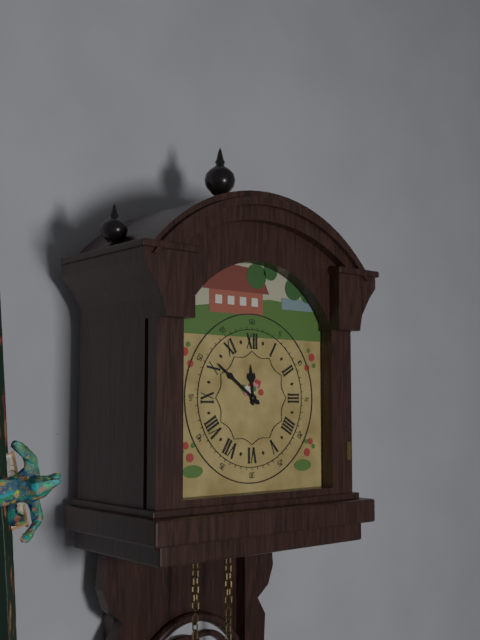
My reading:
**11:51**
